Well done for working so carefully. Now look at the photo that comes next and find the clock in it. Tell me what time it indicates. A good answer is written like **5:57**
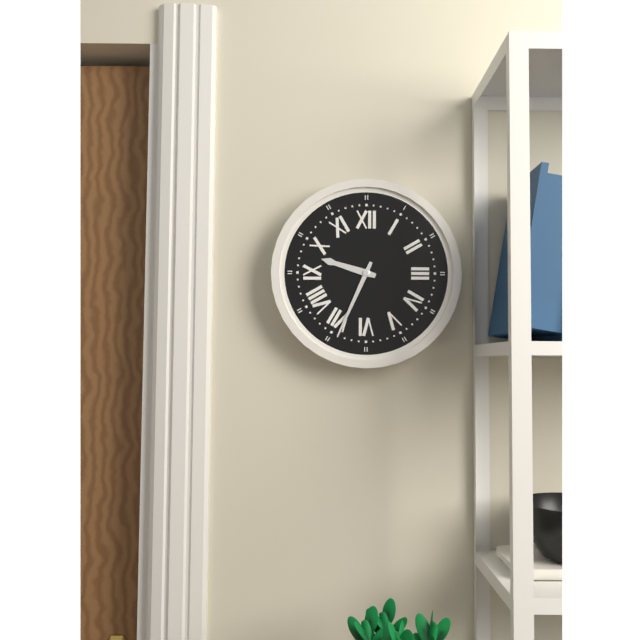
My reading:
**9:34**
